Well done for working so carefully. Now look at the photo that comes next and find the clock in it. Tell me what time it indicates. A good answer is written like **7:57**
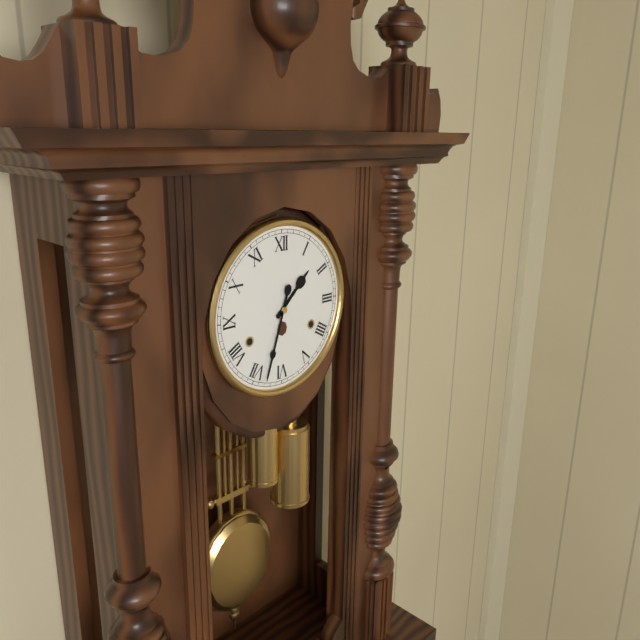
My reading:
**1:33**
